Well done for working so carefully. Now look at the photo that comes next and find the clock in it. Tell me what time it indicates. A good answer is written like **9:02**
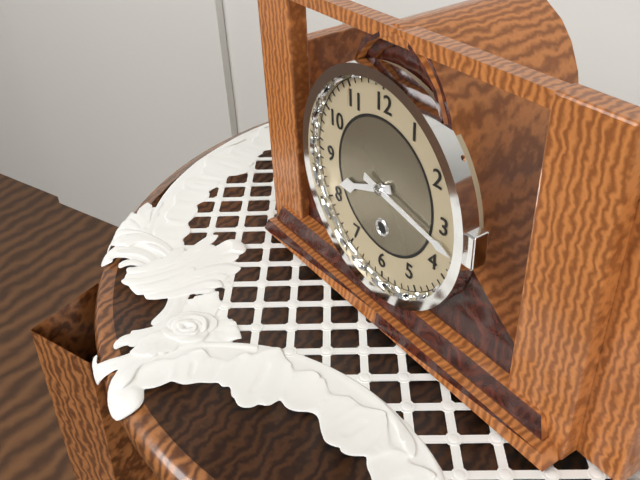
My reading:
**8:17**
